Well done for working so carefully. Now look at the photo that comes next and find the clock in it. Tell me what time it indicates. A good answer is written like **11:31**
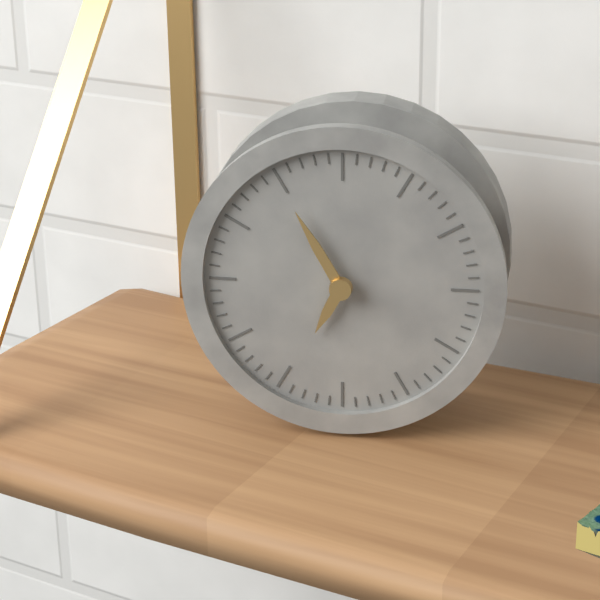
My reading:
**6:55**
